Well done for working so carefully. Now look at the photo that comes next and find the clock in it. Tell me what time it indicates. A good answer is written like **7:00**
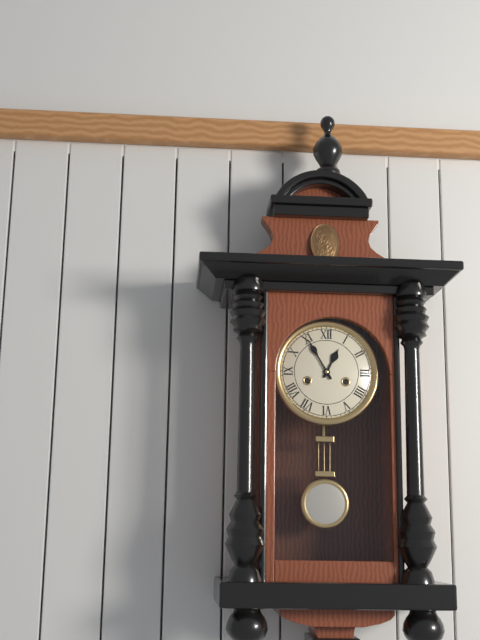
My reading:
**12:55**
